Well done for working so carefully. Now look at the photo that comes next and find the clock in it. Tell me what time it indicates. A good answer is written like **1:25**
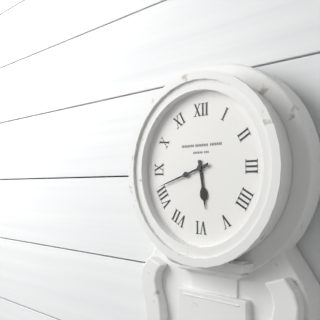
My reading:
**5:42**
